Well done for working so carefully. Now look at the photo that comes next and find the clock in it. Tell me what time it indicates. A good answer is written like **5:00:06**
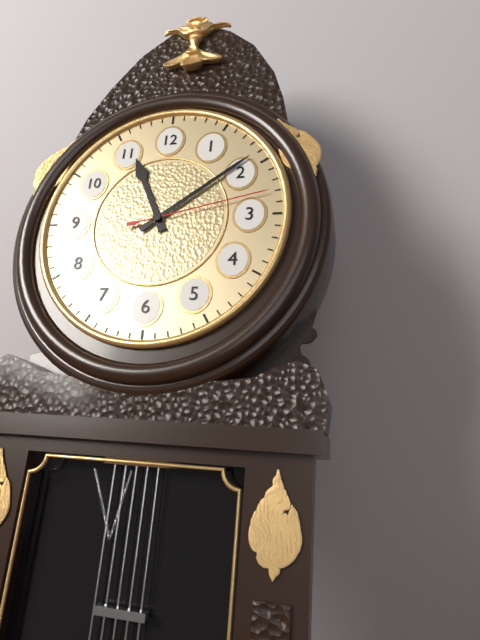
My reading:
**11:09:13**
